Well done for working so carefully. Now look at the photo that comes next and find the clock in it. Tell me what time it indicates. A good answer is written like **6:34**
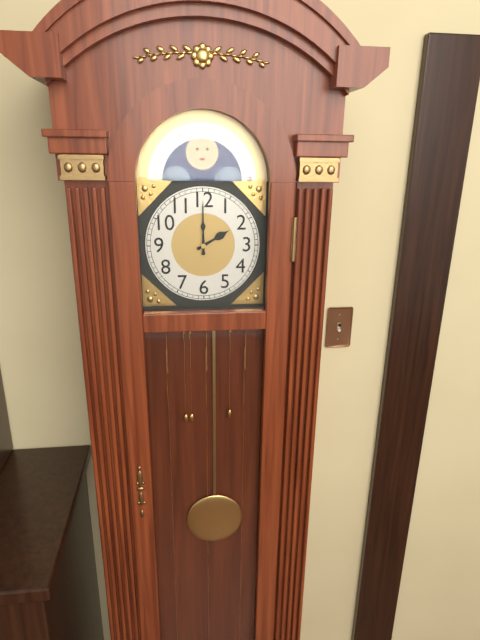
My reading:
**2:00**
